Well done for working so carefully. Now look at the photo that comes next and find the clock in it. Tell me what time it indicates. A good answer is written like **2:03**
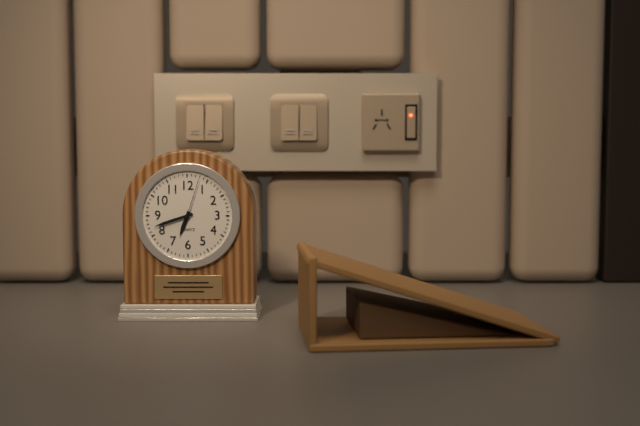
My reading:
**6:42**
